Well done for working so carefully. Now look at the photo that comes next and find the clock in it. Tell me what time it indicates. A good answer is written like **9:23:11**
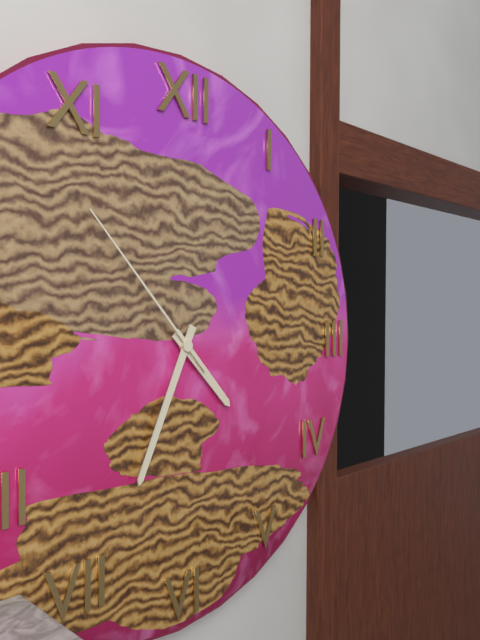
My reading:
**4:34:53**
